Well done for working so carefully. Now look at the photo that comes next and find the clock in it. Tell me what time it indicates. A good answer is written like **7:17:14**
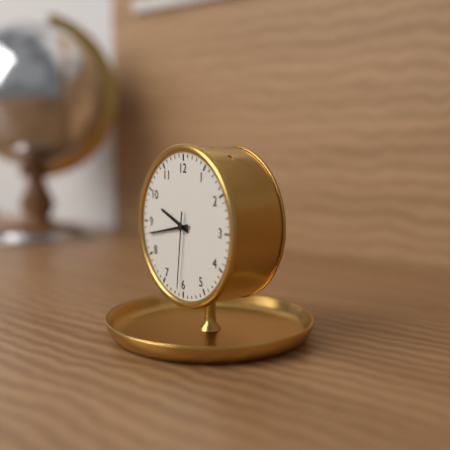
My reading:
**9:43:31**
